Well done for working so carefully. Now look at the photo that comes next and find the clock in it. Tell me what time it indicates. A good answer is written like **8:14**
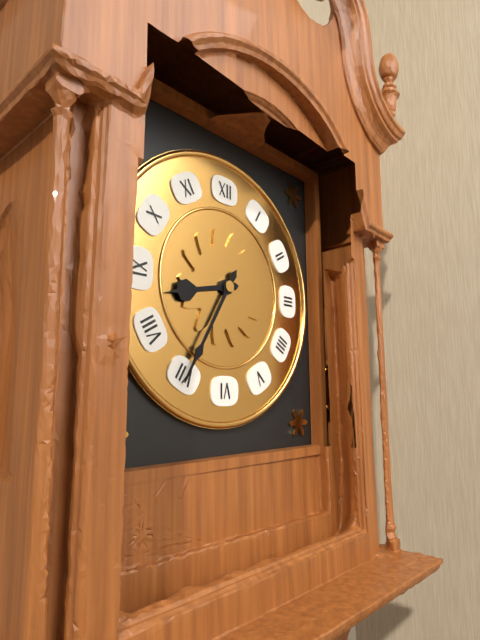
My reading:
**8:35**
